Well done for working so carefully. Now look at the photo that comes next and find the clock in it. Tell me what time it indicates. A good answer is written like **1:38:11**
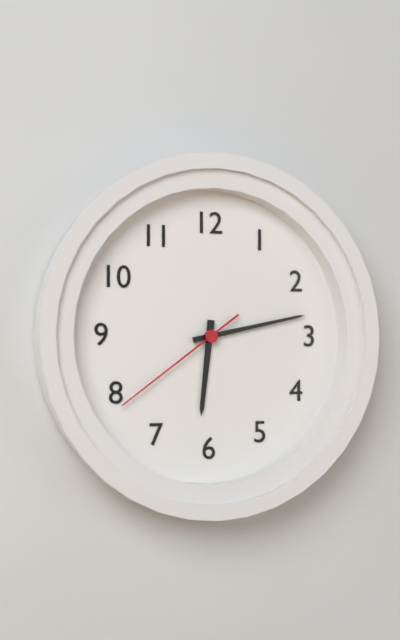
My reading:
**6:13:39**
